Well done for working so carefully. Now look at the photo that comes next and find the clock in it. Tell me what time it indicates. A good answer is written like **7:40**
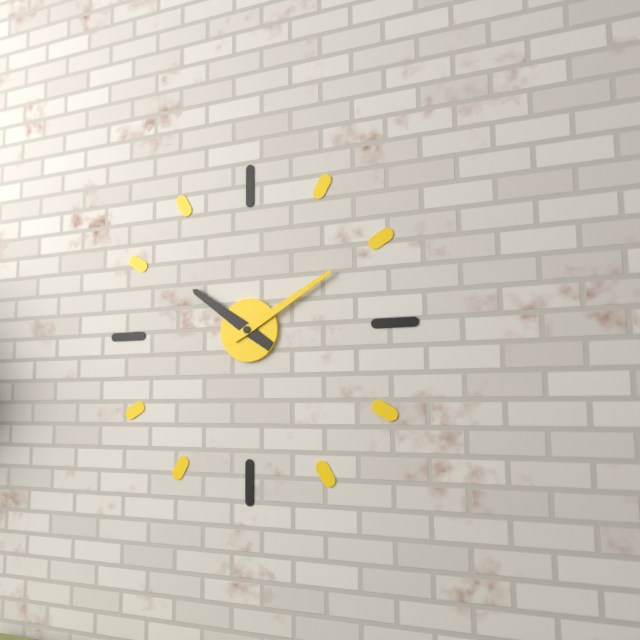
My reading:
**10:10**
